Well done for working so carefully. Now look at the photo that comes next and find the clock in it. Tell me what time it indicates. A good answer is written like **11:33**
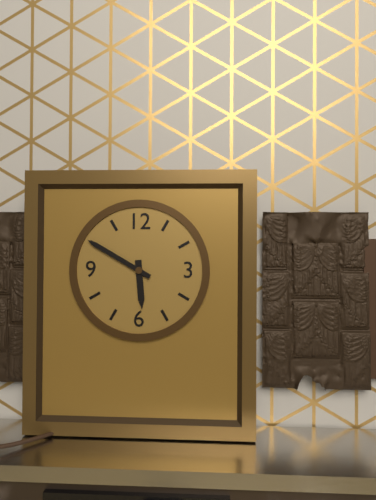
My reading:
**5:50**
